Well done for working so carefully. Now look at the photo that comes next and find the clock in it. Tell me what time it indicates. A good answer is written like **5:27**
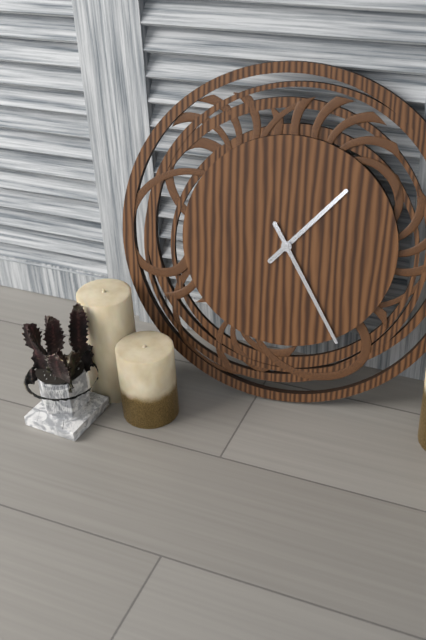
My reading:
**1:25**
